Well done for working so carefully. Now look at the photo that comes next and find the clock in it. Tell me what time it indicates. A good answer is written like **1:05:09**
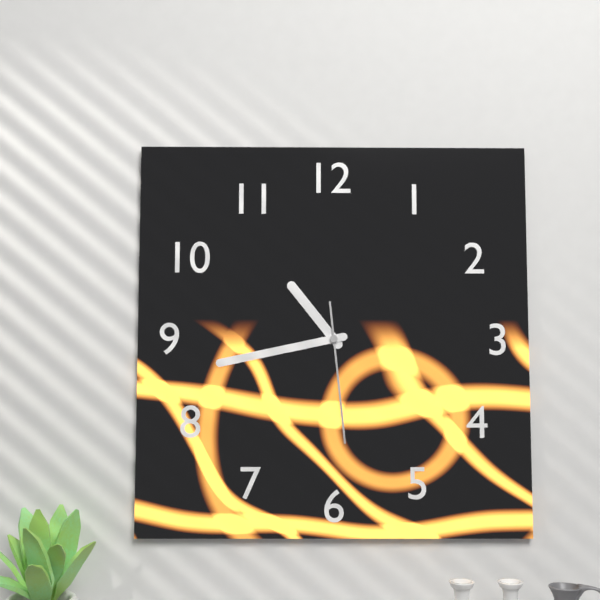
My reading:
**10:43:29**
